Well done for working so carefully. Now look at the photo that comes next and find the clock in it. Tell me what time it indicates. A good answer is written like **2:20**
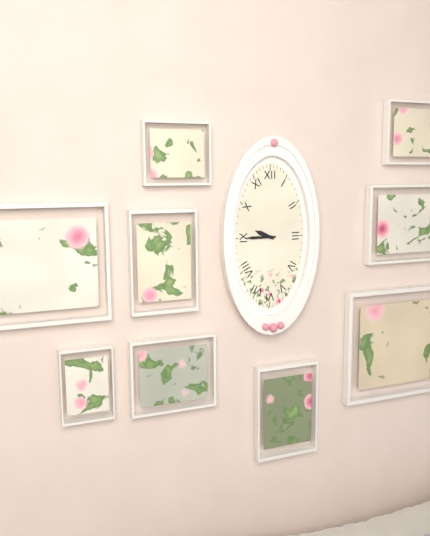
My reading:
**9:45**
